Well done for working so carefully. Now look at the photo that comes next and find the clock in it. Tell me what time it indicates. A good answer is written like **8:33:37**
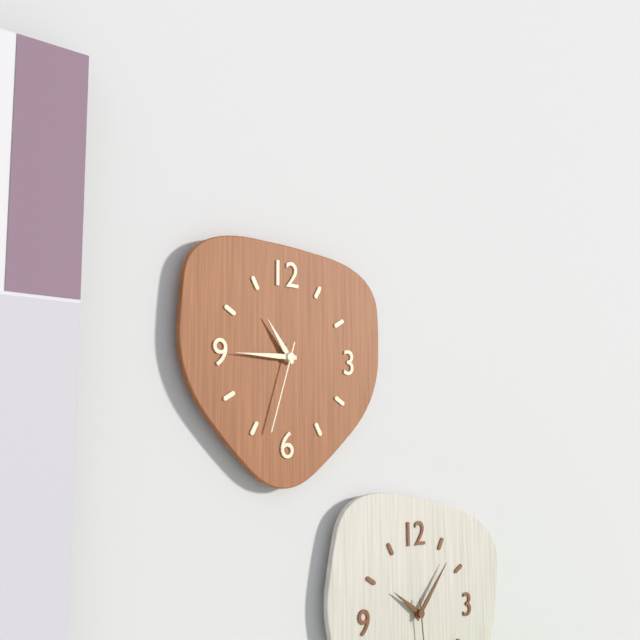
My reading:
**10:45:33**
